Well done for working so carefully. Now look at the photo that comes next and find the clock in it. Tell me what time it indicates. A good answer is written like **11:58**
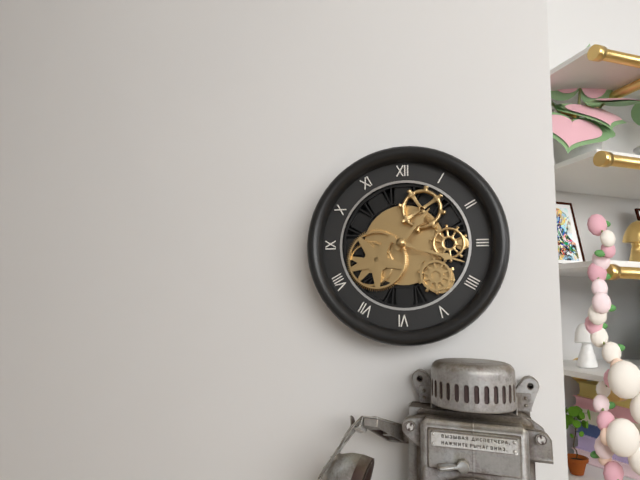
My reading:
**1:18**
